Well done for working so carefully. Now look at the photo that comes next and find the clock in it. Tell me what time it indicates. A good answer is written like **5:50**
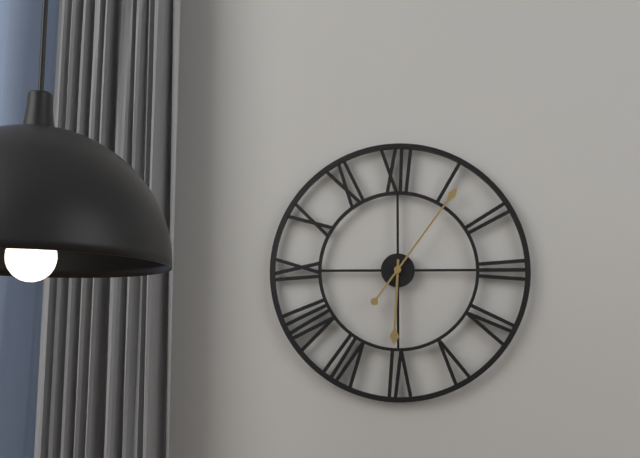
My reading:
**6:06**
